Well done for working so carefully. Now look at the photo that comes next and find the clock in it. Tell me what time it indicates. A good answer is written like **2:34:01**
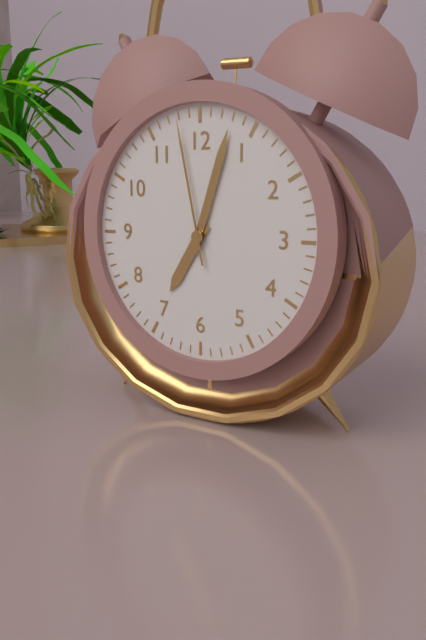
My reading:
**7:03:58**
